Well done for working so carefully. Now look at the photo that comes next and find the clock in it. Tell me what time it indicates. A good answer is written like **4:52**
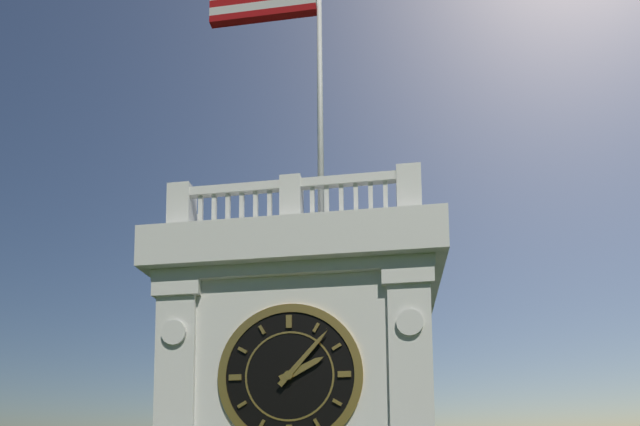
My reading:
**2:07**
